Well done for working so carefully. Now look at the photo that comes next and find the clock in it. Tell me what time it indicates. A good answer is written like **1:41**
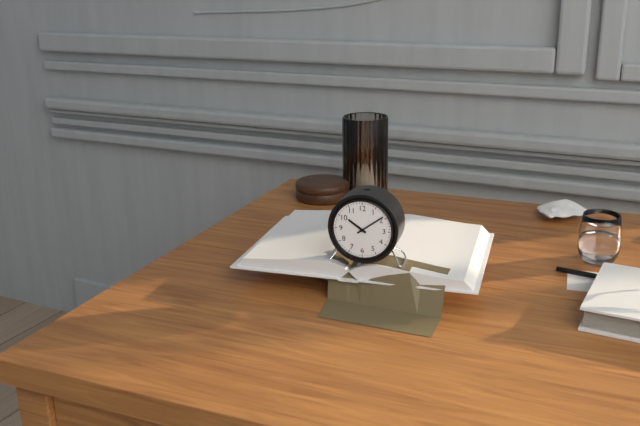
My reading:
**10:09**
